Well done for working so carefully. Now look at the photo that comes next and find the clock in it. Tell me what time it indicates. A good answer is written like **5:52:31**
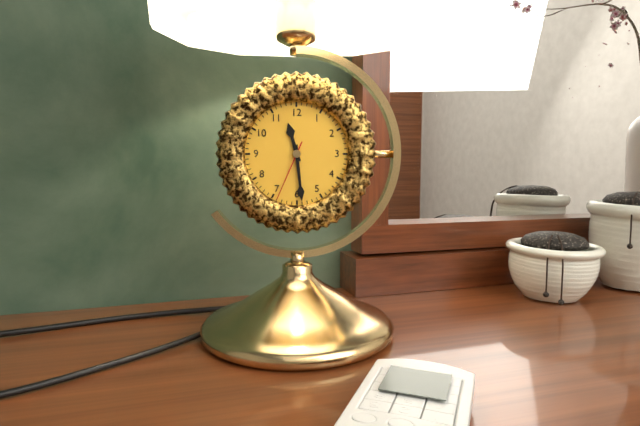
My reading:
**11:29:34**
